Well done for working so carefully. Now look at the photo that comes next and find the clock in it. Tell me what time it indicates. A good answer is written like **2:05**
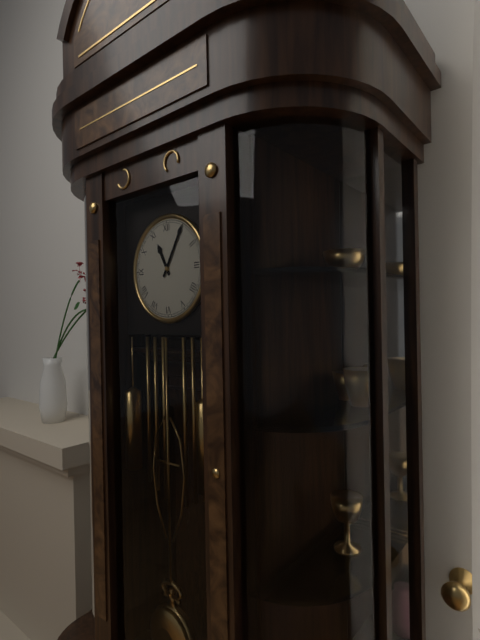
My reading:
**11:05**
